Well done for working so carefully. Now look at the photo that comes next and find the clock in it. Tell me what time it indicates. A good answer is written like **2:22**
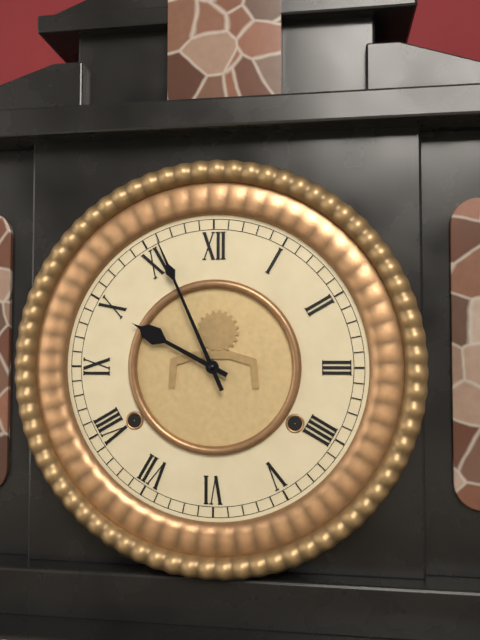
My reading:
**9:56**
